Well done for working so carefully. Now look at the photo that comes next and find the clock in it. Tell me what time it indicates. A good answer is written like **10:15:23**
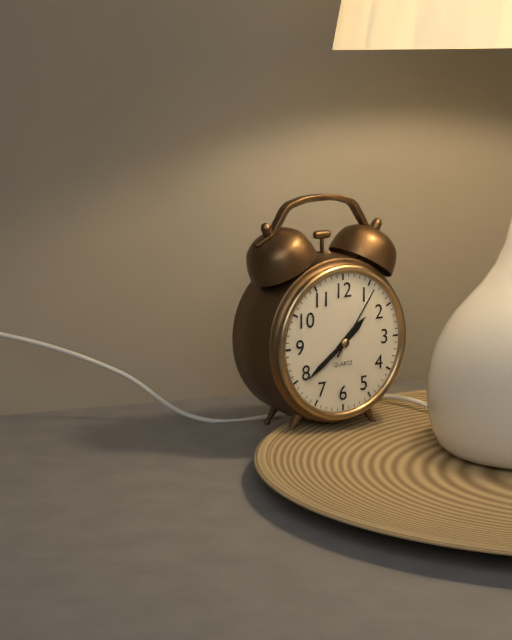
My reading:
**1:39:06**
